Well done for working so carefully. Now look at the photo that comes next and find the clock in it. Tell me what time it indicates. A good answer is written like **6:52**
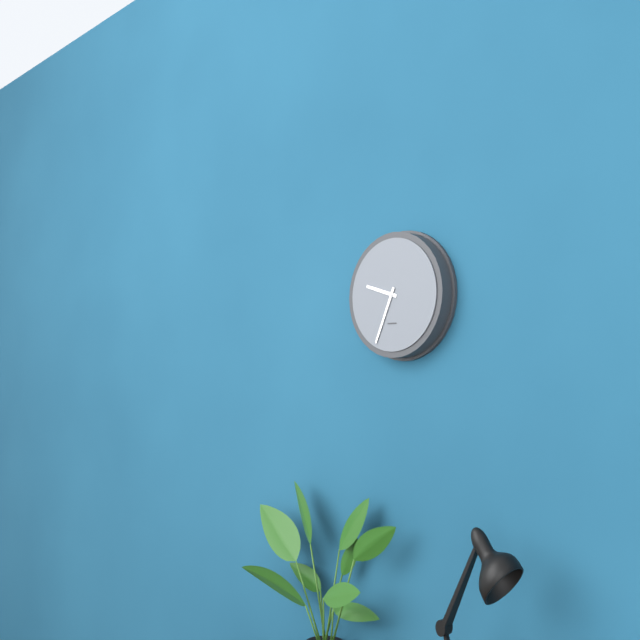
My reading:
**9:34**
